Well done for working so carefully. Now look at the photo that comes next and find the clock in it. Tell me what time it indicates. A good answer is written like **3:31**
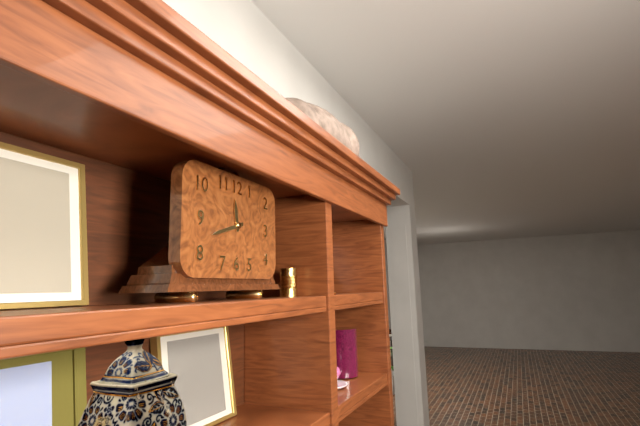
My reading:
**11:42**
